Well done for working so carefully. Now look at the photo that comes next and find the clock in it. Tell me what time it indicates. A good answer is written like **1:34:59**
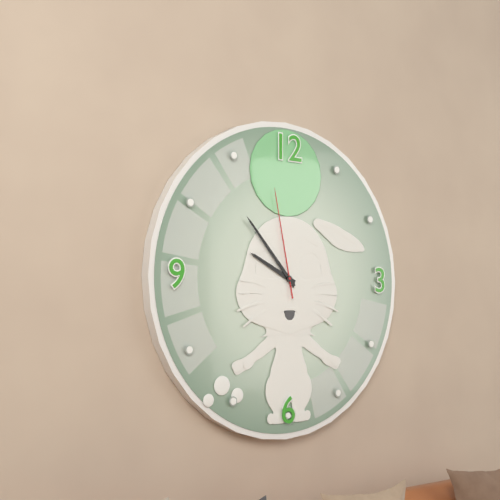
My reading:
**9:53:58**
